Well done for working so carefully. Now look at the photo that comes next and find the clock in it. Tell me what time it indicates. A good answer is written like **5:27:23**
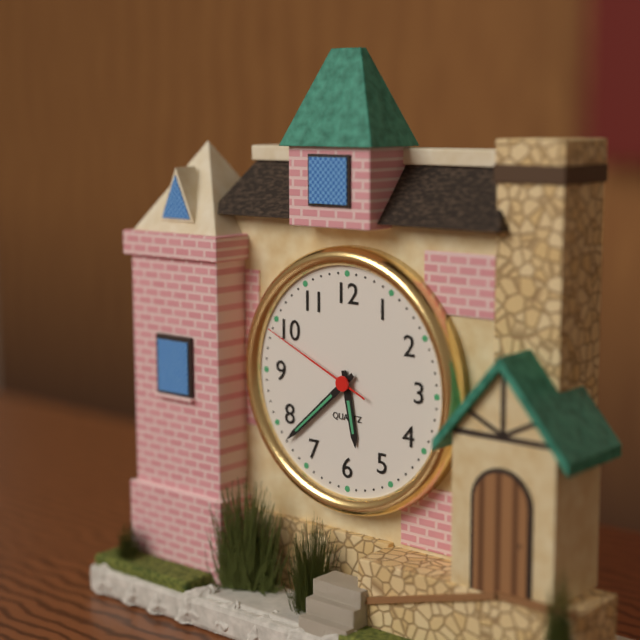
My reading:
**5:38:49**
